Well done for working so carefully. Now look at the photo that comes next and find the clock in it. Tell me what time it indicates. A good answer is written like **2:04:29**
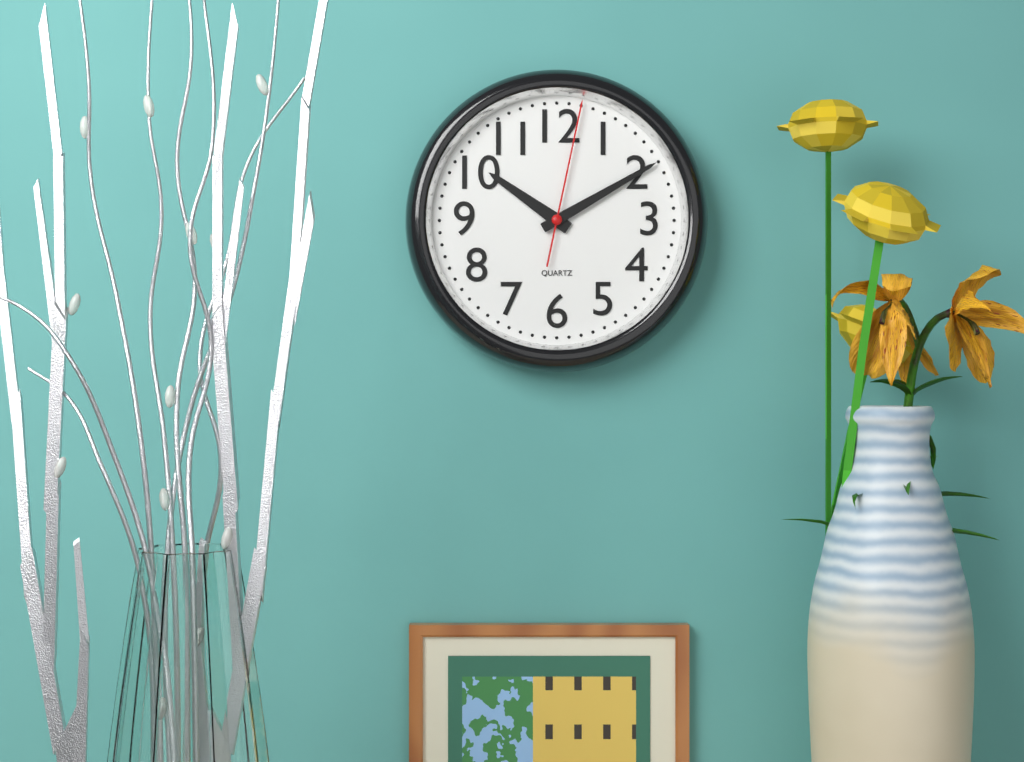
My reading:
**10:10:02**
